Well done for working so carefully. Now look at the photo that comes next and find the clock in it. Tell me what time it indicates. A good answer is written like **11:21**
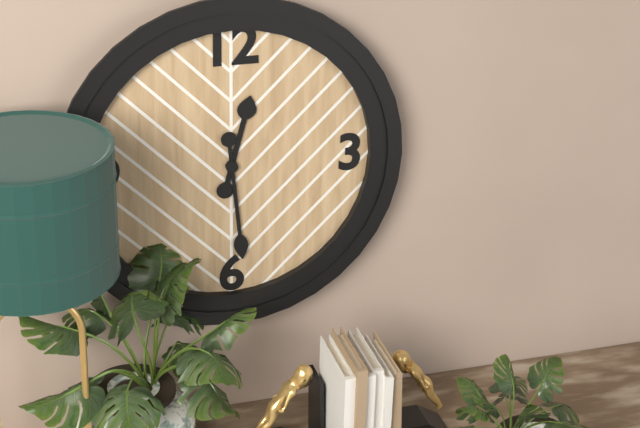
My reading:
**12:29**
